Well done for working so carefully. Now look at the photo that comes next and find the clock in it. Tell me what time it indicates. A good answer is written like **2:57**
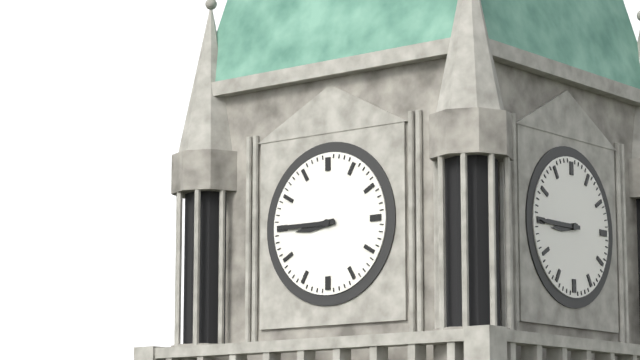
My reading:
**8:45**
